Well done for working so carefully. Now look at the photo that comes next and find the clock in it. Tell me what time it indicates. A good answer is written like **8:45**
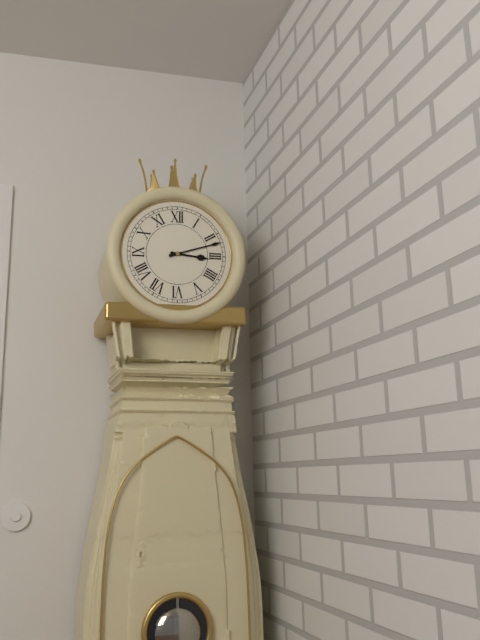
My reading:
**3:12**
